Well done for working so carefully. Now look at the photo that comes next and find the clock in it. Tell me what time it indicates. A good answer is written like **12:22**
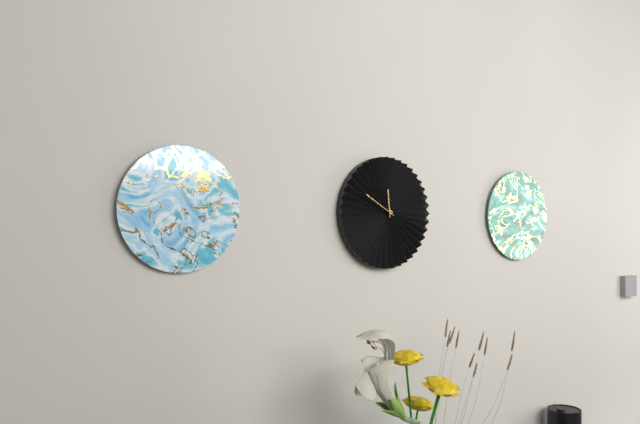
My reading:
**11:50**
